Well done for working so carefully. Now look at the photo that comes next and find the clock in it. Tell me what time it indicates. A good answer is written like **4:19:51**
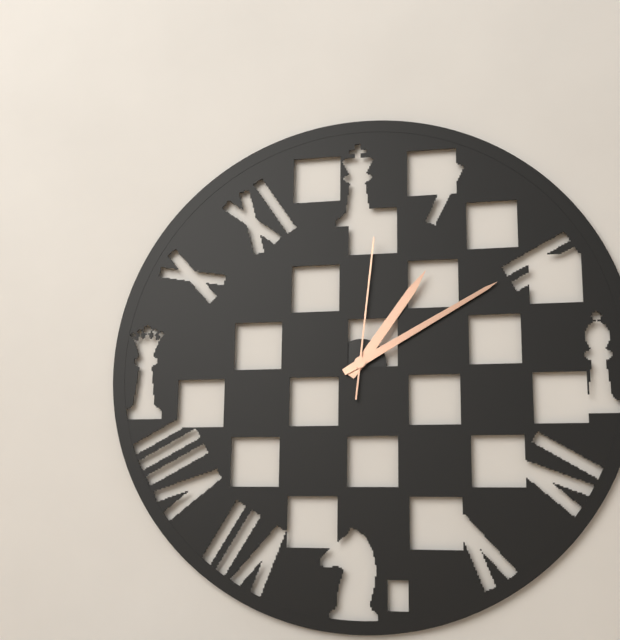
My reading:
**1:10:01**
